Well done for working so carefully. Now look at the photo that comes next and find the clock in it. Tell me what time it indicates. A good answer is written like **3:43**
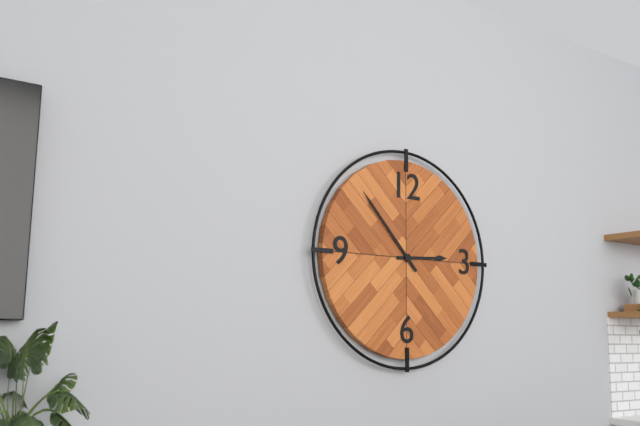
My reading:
**2:53**
